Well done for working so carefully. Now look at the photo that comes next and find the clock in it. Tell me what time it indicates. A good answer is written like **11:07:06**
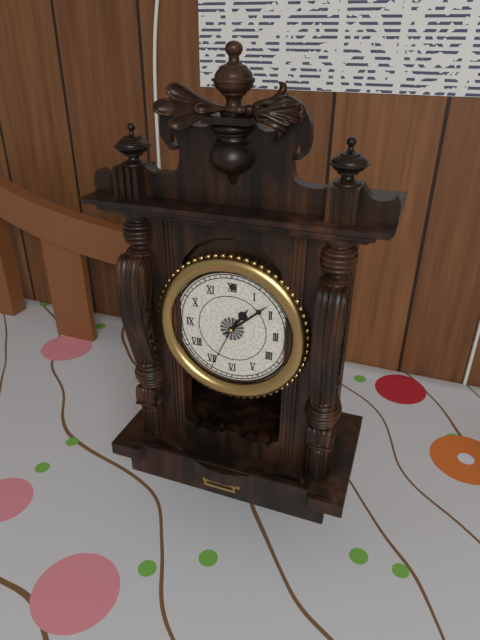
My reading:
**1:08:34**
